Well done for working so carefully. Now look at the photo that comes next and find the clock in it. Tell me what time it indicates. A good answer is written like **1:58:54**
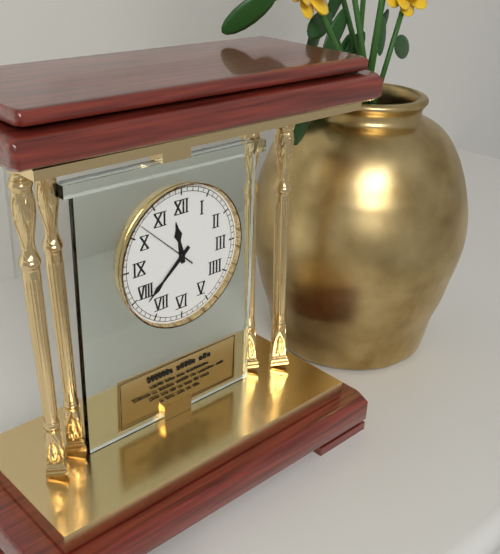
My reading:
**11:38:52**
